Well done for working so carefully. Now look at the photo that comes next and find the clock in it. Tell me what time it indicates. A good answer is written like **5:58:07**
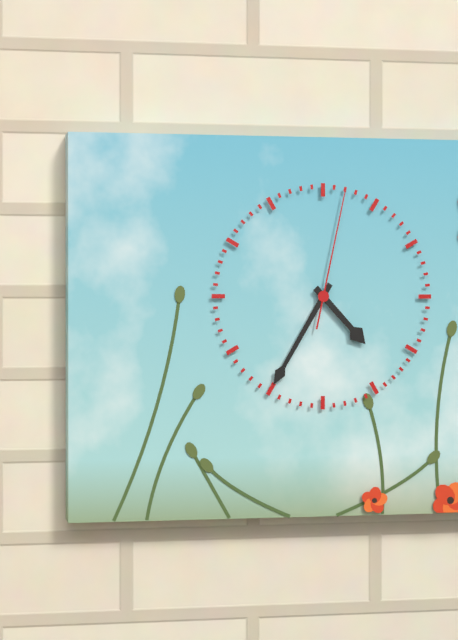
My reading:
**4:35:02**
